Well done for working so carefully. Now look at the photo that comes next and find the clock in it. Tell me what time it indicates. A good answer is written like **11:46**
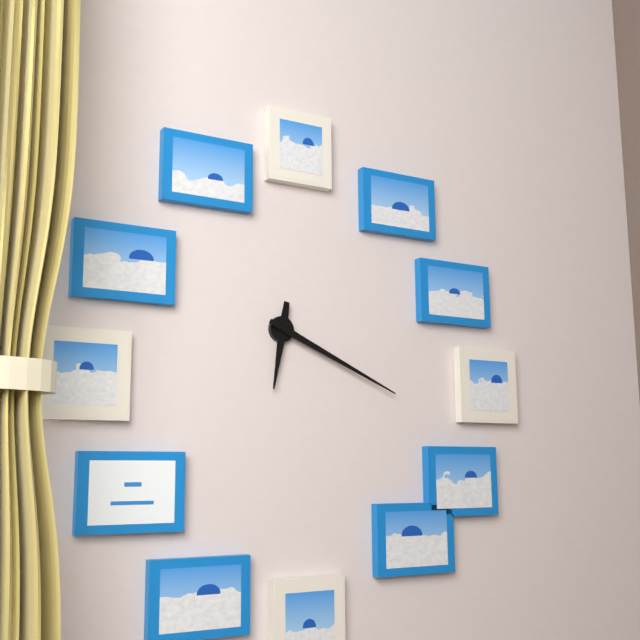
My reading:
**6:19**
